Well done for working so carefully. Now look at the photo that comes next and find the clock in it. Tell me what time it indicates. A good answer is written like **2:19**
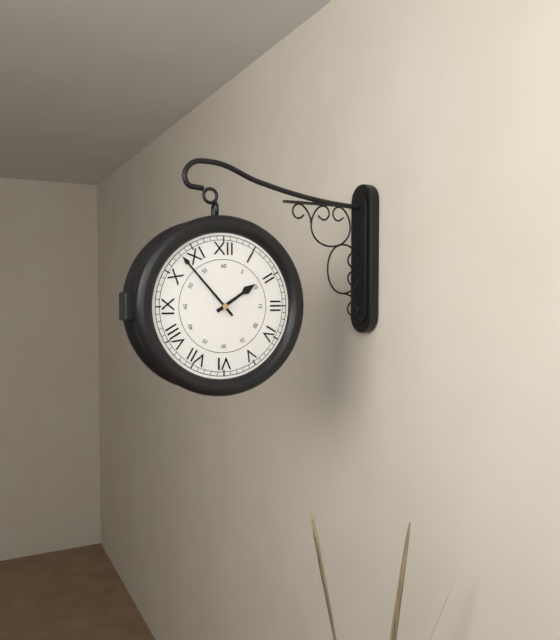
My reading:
**1:53**
